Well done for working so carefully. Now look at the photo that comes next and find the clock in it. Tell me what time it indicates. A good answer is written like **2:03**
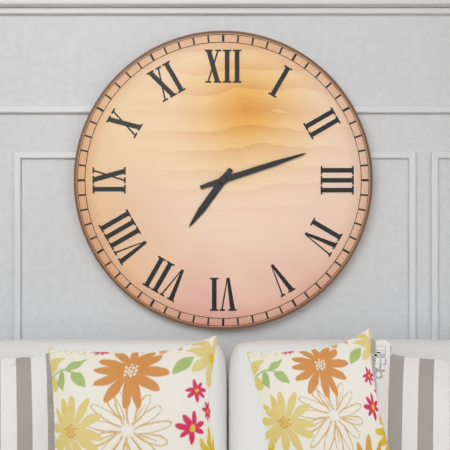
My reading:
**7:12**
